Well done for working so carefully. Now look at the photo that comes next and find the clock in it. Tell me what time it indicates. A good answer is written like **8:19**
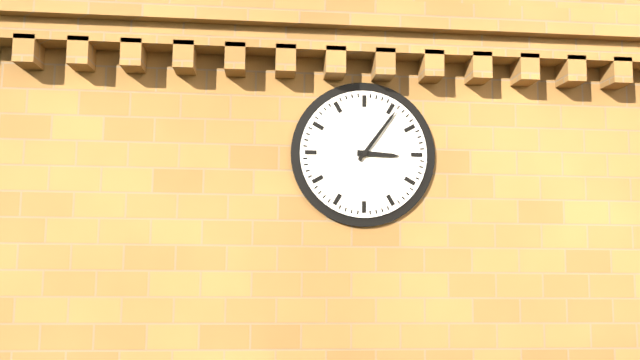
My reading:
**3:06**
